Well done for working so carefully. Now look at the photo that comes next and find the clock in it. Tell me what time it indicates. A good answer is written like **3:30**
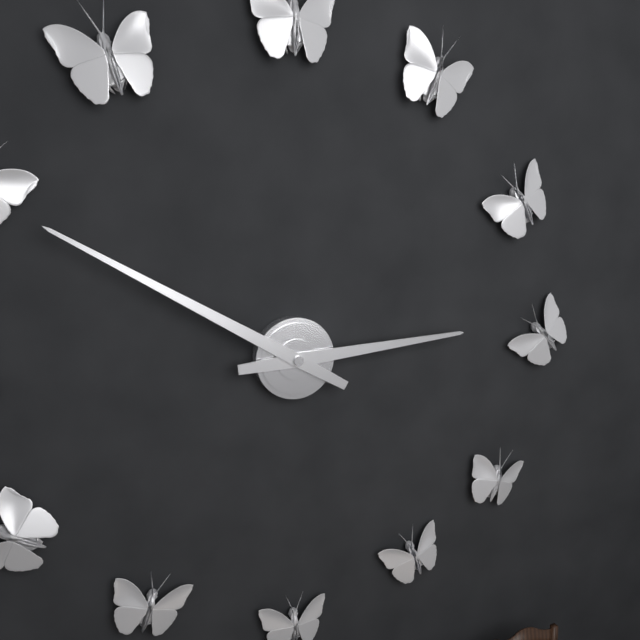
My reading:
**2:50**
